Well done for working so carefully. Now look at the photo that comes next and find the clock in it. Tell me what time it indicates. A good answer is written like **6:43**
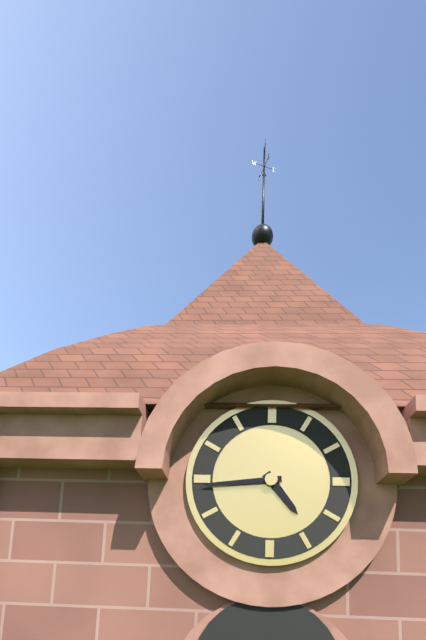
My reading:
**4:44**
